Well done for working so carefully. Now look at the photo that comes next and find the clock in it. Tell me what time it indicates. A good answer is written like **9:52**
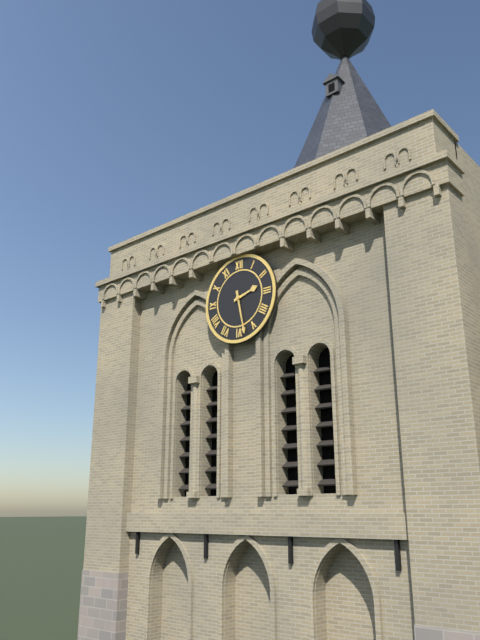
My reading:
**2:28**
